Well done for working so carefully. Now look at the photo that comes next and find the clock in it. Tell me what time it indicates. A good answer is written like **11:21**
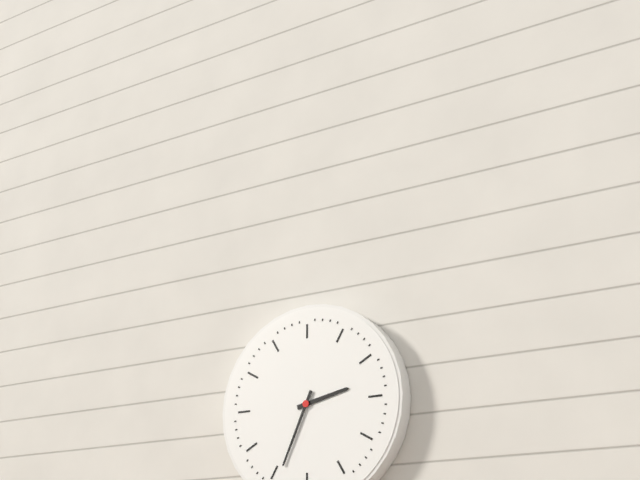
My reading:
**2:34**
